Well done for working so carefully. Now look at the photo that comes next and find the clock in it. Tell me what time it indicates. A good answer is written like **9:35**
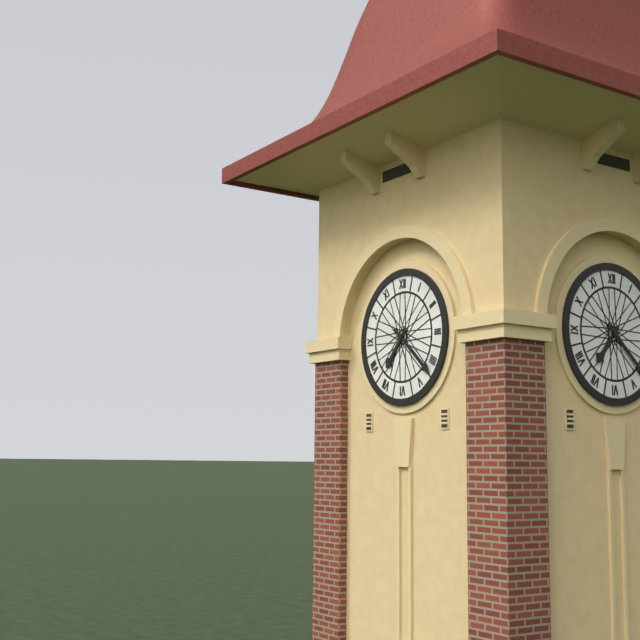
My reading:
**7:22**
